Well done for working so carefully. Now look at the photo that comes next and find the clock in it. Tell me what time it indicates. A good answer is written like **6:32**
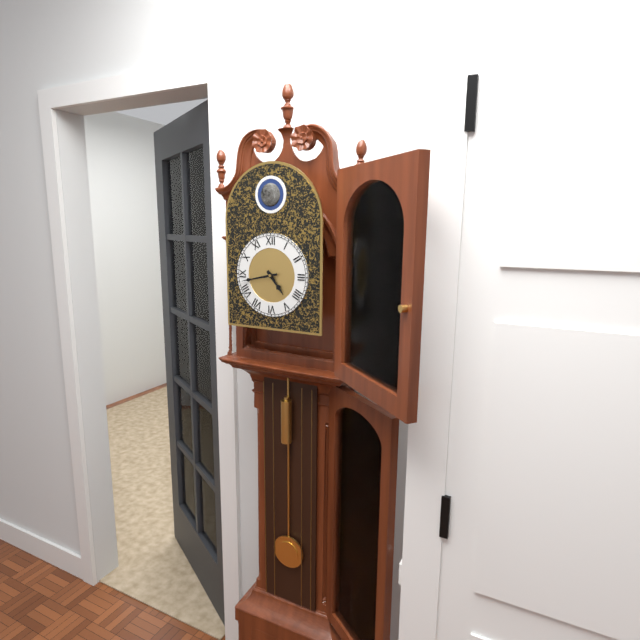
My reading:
**4:43**
